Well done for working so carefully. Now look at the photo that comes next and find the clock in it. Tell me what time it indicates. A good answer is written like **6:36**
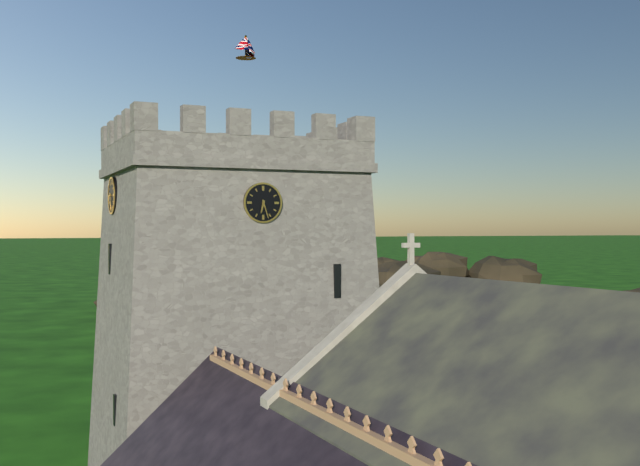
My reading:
**6:27**
